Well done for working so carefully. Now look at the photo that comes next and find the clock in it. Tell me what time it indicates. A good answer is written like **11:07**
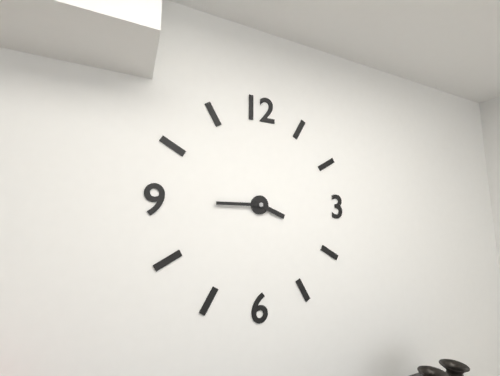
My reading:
**3:45**
